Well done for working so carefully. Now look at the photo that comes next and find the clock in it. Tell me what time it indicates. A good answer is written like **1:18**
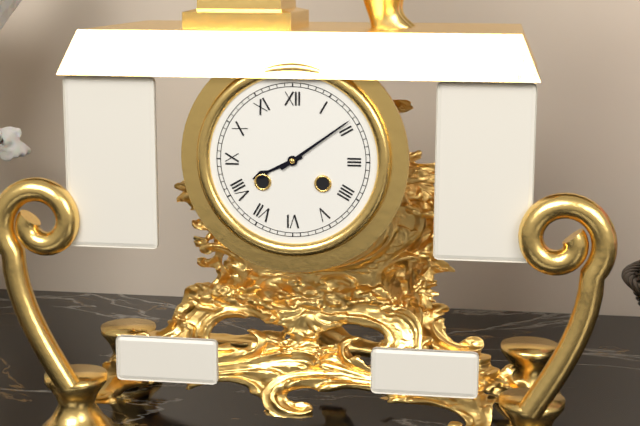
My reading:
**8:09**
